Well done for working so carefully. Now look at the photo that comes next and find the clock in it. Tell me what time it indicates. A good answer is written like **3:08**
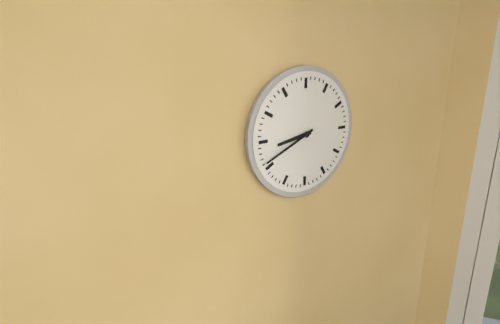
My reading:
**8:41**
